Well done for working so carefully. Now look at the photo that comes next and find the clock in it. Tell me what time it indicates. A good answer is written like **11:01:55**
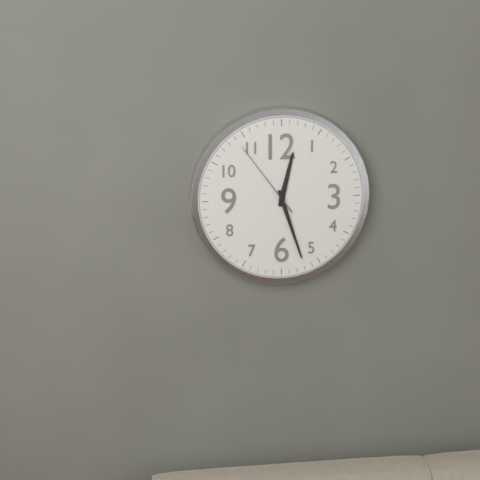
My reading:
**12:27:54**
